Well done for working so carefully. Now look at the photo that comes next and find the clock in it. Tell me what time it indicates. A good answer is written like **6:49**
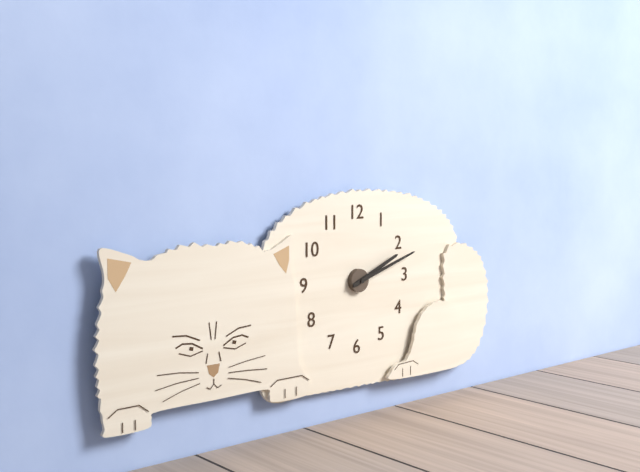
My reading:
**2:12**
